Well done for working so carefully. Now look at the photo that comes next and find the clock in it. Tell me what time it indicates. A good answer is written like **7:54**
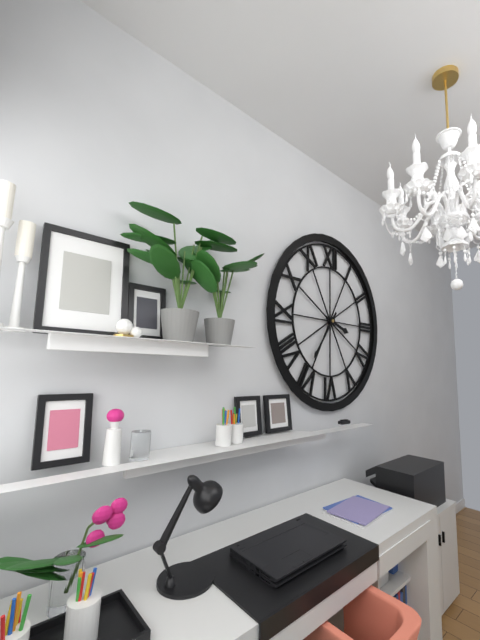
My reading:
**3:36**
